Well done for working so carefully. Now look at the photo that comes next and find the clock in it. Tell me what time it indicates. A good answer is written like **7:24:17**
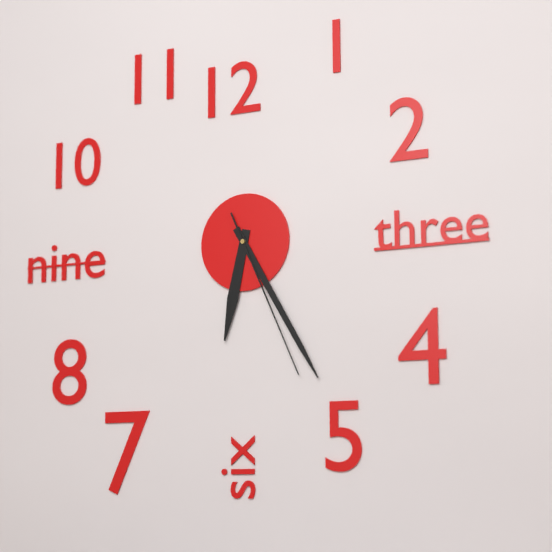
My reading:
**6:25:26**
